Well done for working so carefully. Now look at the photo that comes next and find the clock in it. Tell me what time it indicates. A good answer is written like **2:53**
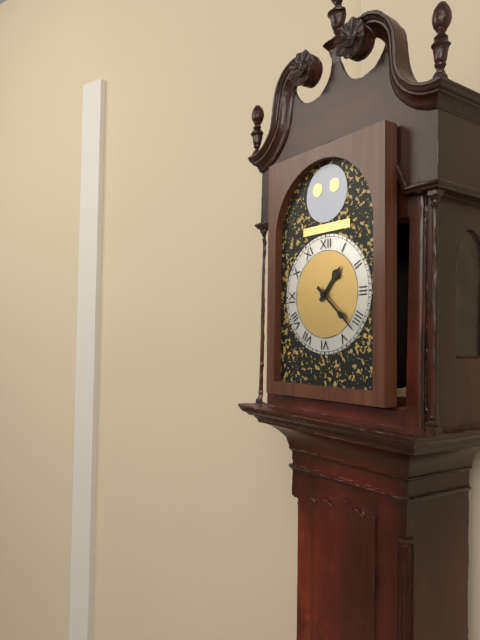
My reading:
**1:22**
